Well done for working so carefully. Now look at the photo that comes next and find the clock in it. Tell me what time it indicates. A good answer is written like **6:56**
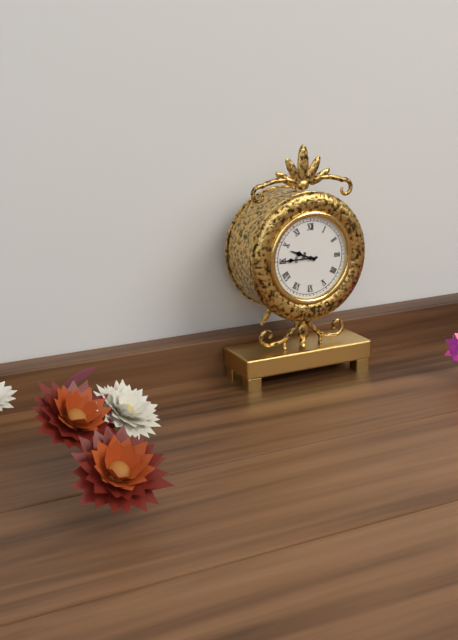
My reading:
**9:45**
